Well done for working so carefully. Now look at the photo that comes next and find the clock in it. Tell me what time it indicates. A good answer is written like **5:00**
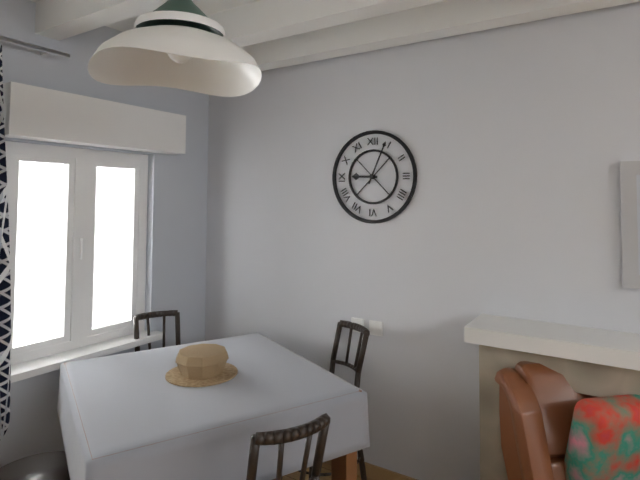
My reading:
**9:04**
